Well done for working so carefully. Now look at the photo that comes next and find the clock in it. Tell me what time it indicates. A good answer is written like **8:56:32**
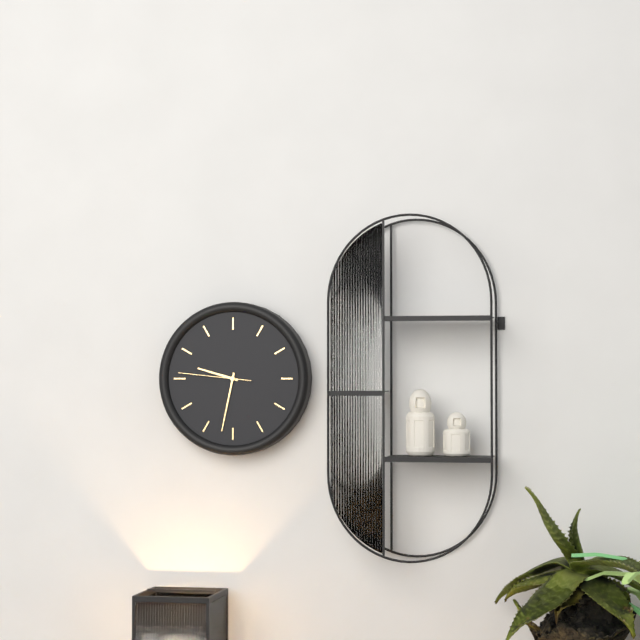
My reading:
**9:32:46**
